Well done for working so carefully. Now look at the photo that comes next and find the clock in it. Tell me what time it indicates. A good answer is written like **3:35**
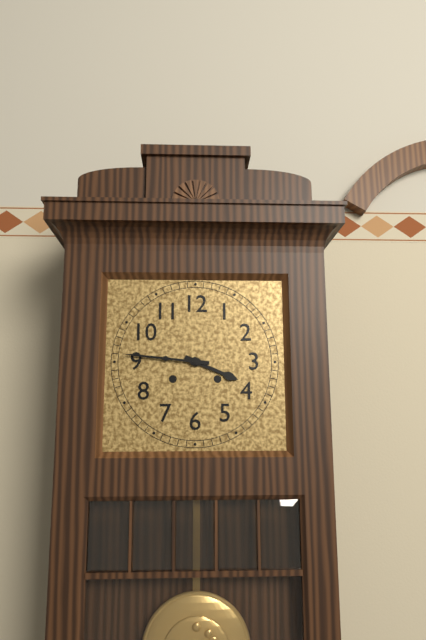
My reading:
**3:46**
